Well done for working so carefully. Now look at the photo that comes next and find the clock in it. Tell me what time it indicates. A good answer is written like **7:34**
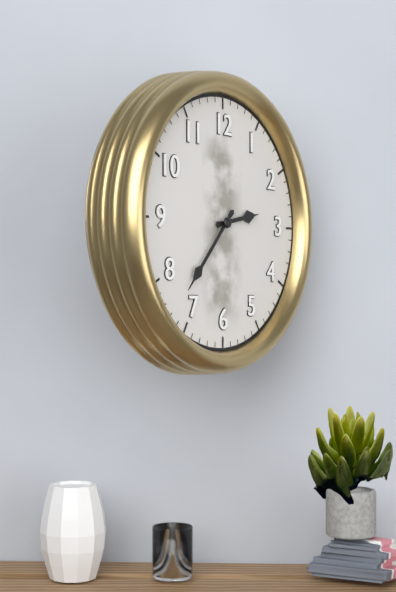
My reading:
**2:37**
